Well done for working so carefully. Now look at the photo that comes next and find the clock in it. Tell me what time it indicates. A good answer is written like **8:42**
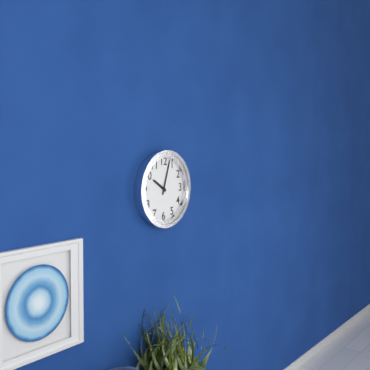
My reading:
**10:03**
